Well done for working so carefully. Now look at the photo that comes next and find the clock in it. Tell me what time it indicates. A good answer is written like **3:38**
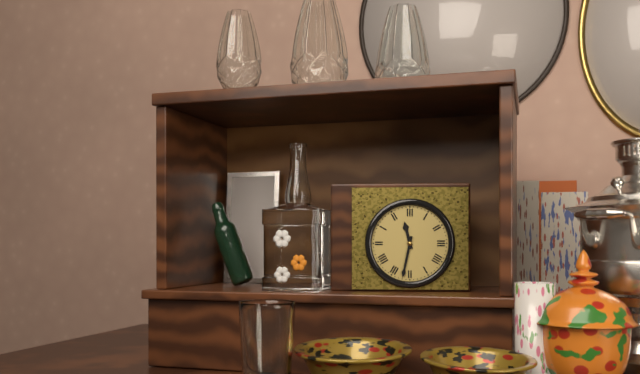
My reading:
**11:32**
